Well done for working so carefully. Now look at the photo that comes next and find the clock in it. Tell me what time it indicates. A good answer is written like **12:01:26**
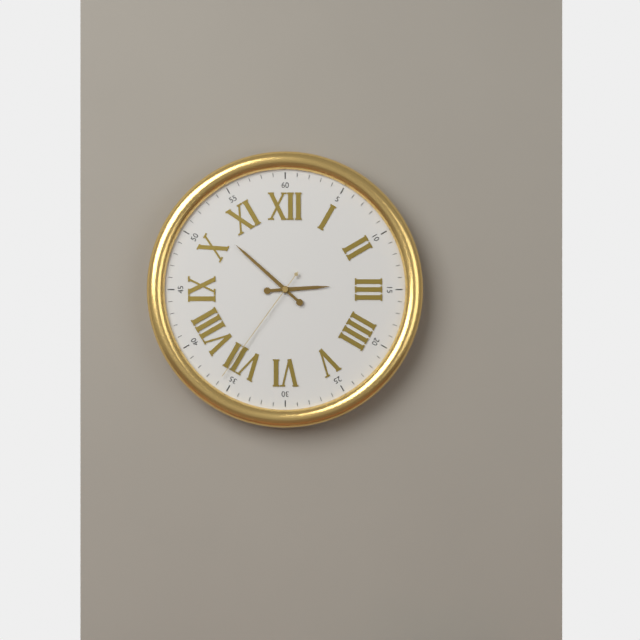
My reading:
**2:52:36**
